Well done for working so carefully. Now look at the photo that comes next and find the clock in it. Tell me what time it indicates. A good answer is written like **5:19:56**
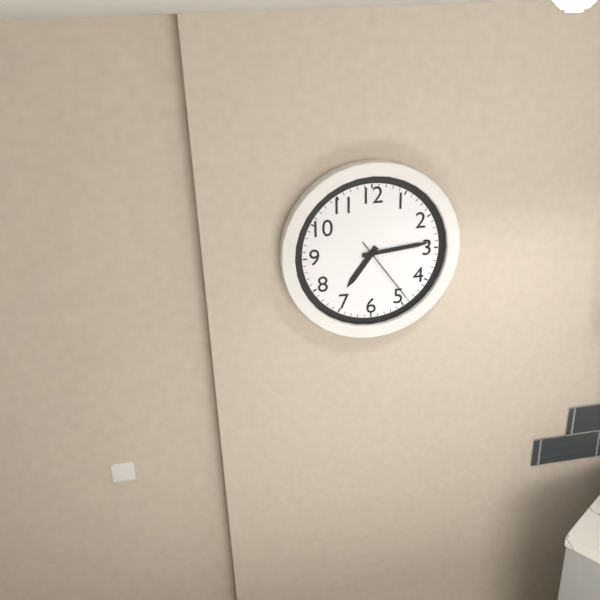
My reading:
**7:14:24**
